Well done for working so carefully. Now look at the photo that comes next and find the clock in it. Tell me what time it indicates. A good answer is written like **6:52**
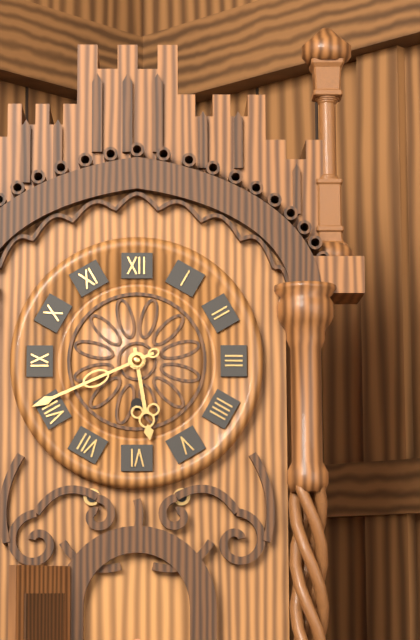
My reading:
**5:41**
